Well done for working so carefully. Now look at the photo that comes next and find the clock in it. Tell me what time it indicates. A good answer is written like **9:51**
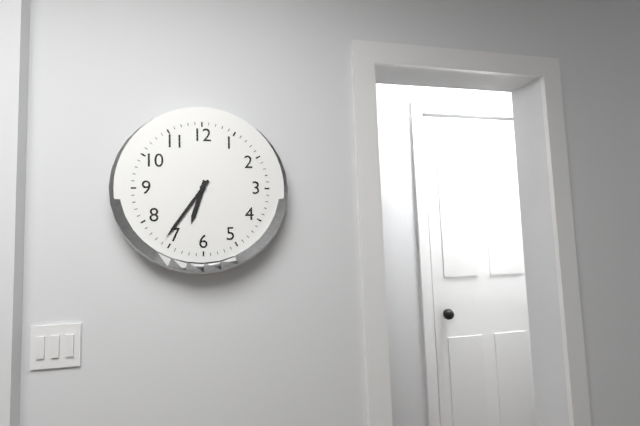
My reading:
**6:36**
